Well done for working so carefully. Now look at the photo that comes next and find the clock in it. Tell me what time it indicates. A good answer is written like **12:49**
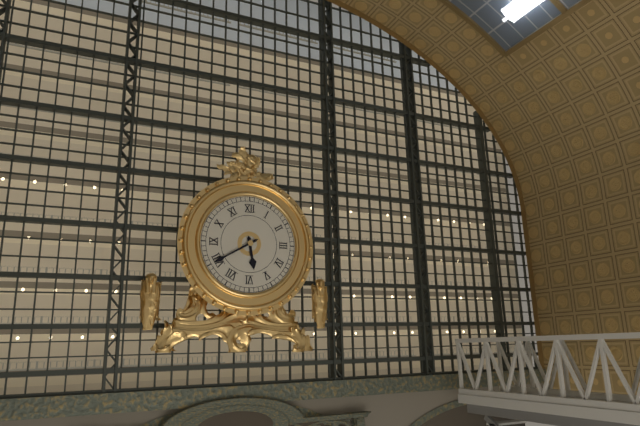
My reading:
**5:40**
